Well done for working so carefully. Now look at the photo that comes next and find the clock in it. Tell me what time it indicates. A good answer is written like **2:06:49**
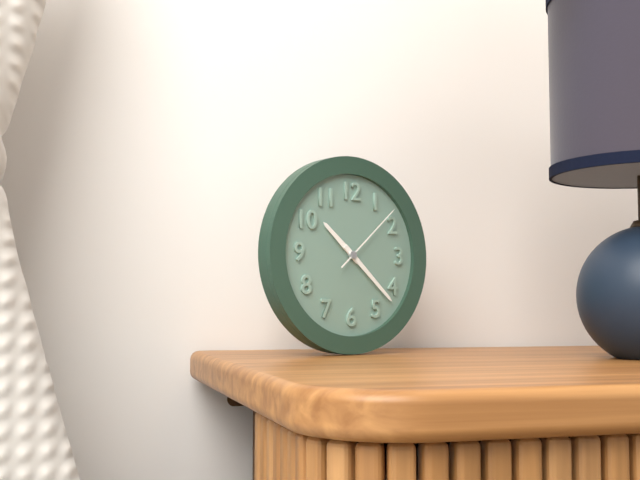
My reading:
**10:22:08**
